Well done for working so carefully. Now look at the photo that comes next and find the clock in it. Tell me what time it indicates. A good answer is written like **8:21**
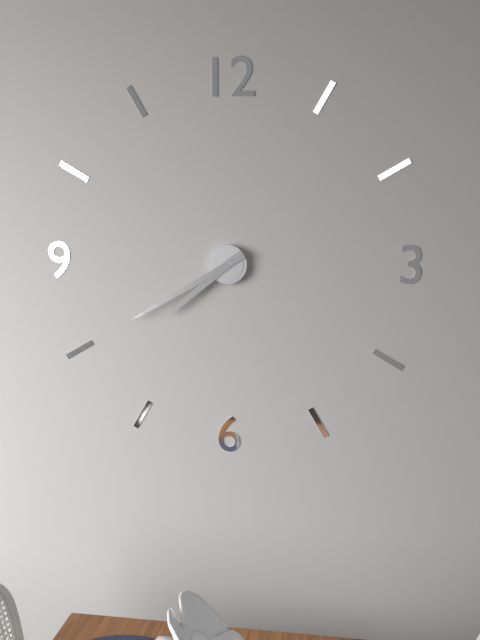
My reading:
**7:40**
